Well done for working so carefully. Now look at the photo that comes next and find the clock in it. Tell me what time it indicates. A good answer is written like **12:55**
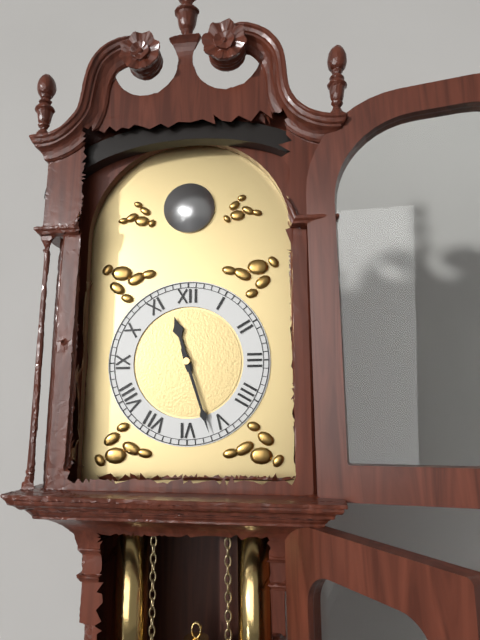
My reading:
**11:27**
